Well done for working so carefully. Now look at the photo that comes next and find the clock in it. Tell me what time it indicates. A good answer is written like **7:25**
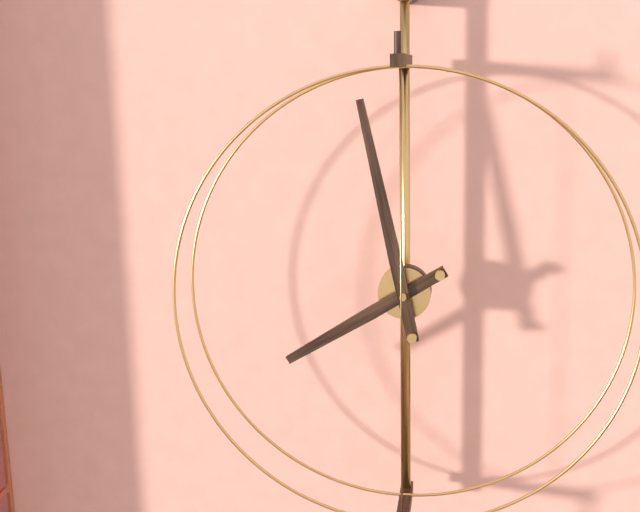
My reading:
**7:58**
